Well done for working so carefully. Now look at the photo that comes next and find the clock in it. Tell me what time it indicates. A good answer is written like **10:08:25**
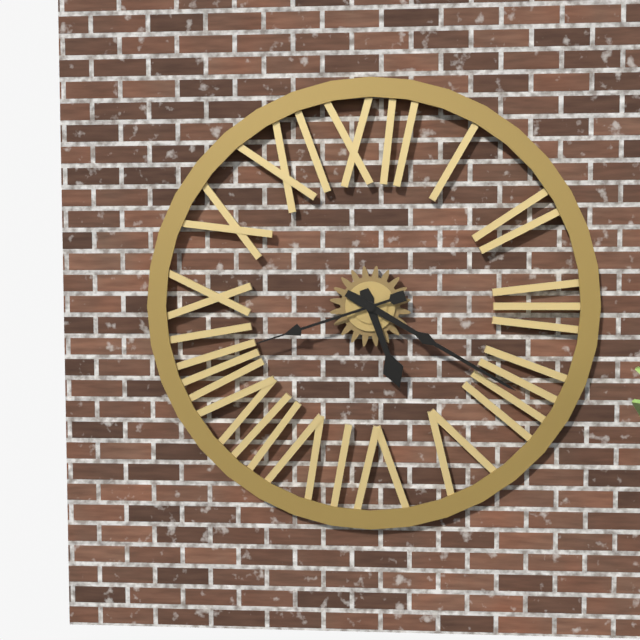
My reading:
**5:20:42**
